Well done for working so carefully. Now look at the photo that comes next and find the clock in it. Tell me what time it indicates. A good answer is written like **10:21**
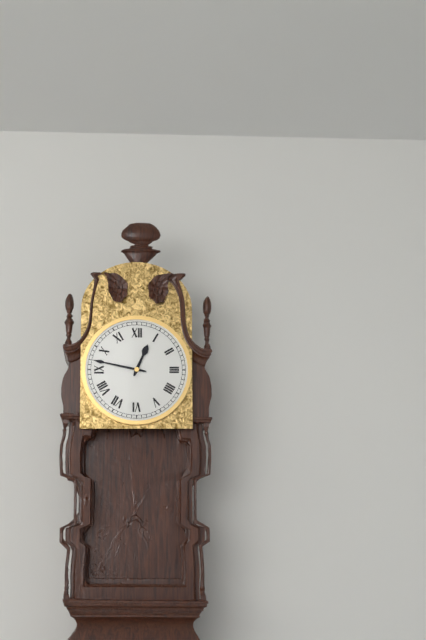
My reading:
**12:47**
